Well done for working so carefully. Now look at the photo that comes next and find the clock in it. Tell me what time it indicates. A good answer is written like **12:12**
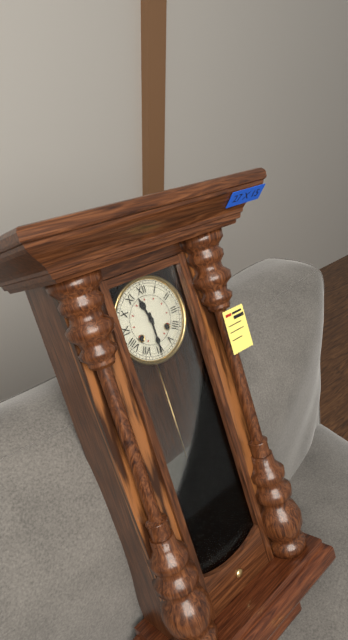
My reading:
**11:30**
